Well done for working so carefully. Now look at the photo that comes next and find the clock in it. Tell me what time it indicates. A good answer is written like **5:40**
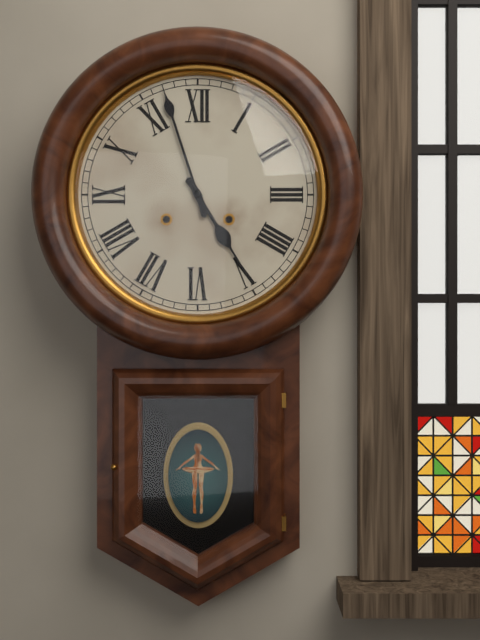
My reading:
**4:57**
